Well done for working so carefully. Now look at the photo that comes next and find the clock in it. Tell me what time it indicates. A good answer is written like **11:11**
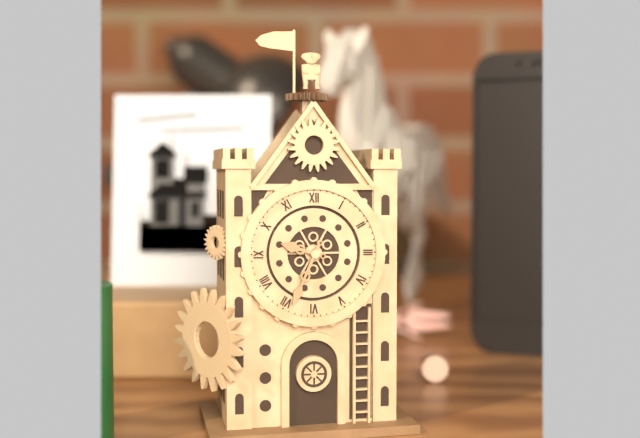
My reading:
**9:34**
